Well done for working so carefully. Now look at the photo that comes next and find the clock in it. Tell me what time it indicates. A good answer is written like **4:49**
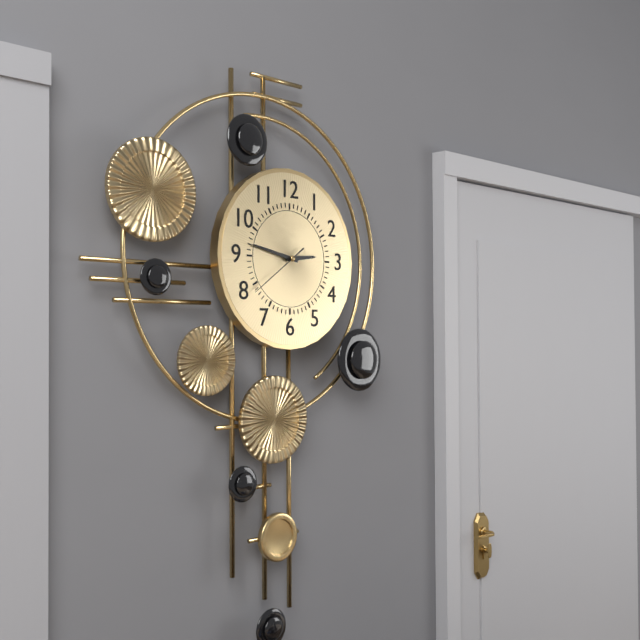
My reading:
**2:47**
